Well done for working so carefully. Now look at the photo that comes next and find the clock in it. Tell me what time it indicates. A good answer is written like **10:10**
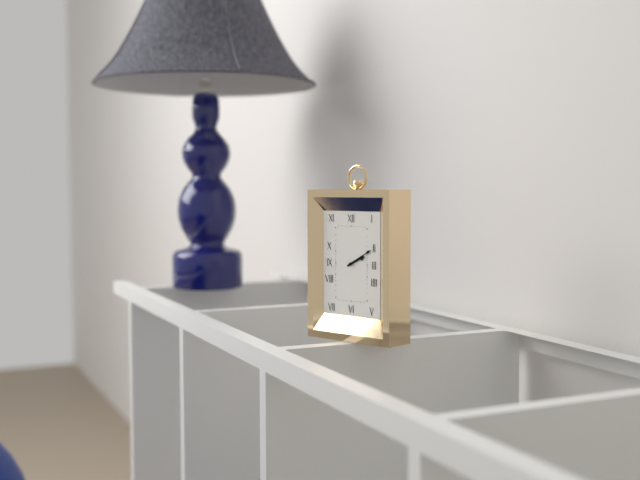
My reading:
**2:10**
